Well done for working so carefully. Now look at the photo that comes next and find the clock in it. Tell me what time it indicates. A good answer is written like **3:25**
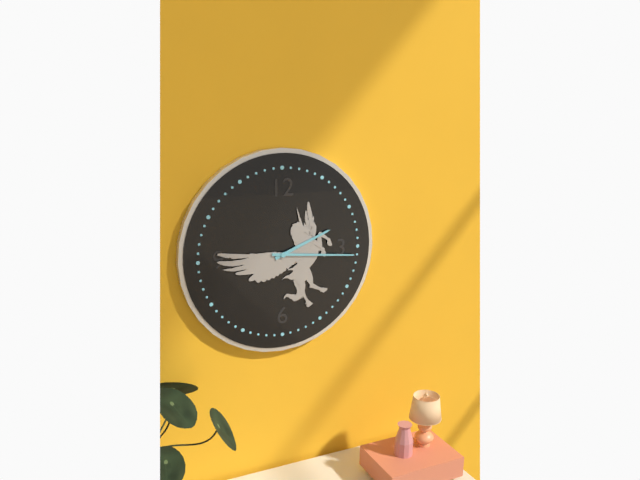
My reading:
**2:16**
